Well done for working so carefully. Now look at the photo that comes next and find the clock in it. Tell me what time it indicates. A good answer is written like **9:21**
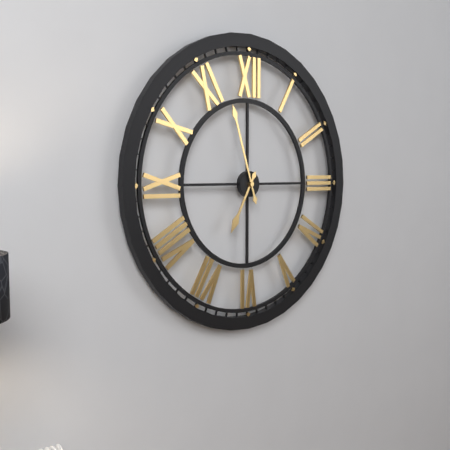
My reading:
**6:57**
